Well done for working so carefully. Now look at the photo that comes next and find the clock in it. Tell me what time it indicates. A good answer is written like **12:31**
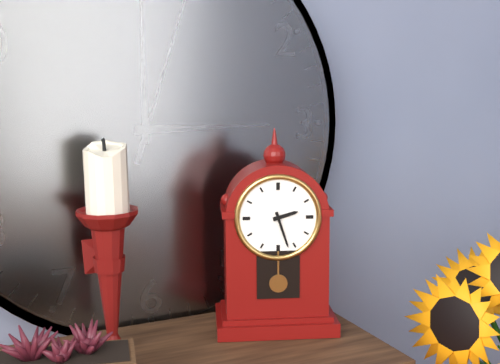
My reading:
**2:27**
